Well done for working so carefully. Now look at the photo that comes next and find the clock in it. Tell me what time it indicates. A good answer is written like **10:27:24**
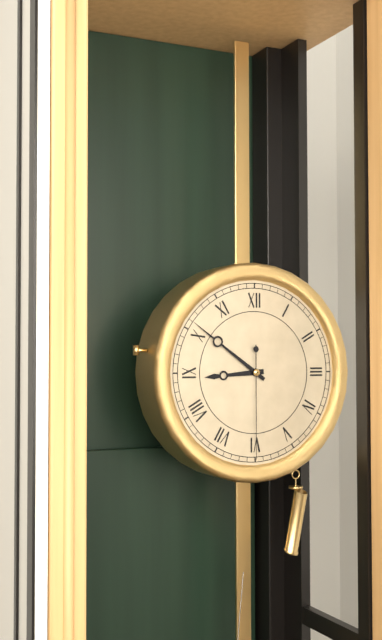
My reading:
**8:51:30**
